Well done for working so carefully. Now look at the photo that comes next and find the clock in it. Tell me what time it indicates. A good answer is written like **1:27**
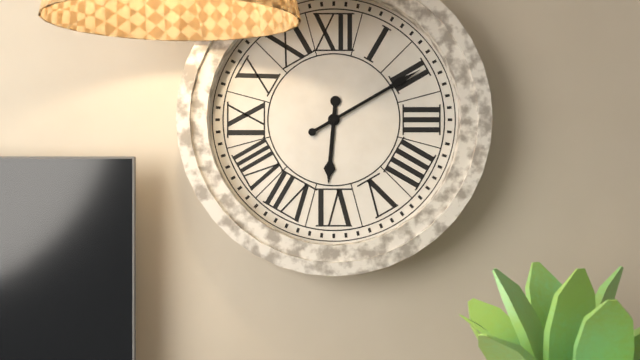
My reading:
**6:10**
